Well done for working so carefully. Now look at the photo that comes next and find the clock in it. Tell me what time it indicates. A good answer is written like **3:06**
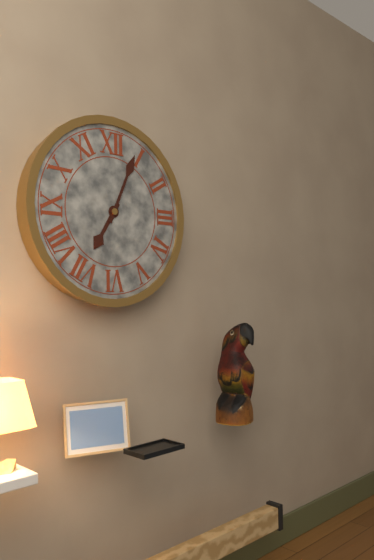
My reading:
**7:04**
